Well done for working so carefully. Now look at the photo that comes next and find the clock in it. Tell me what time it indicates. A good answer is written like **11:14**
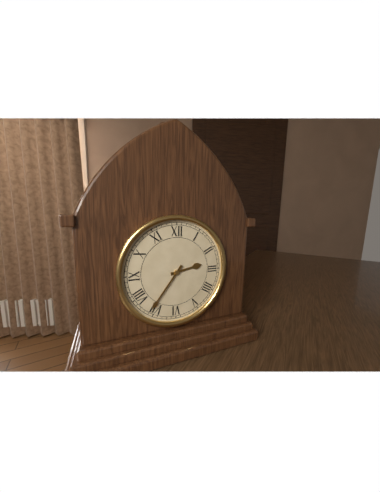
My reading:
**2:36**
